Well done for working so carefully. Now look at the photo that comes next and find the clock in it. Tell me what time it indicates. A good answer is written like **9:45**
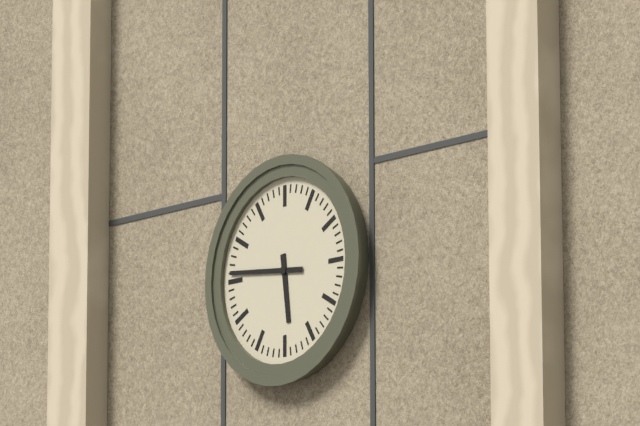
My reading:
**5:46**
